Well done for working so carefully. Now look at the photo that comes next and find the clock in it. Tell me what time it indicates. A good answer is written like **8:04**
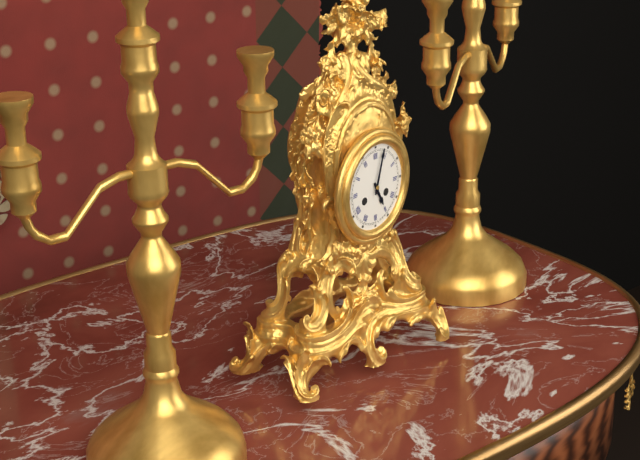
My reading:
**5:03**
